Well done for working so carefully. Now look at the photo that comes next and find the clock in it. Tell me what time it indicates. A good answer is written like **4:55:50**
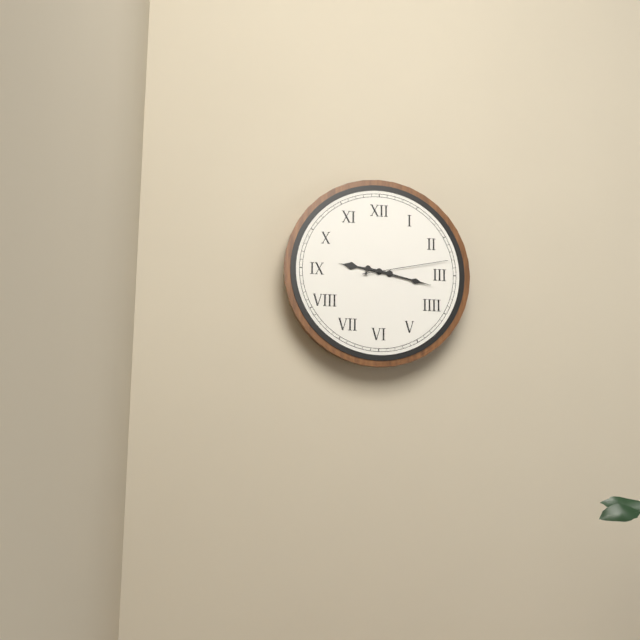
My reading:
**9:17:13**
